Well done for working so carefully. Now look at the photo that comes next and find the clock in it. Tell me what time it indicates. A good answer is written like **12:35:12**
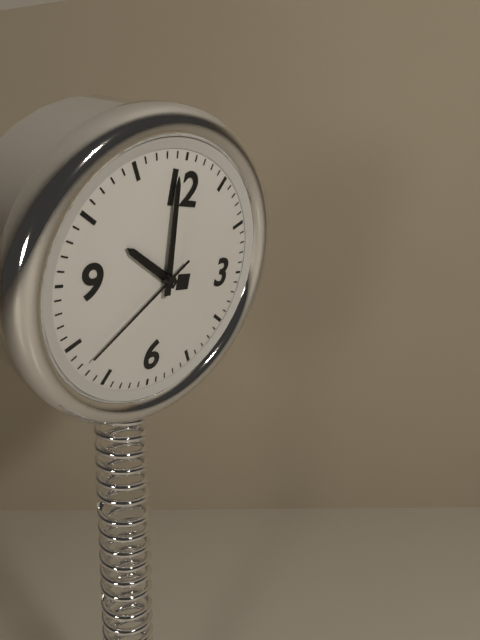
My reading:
**9:59:38**
